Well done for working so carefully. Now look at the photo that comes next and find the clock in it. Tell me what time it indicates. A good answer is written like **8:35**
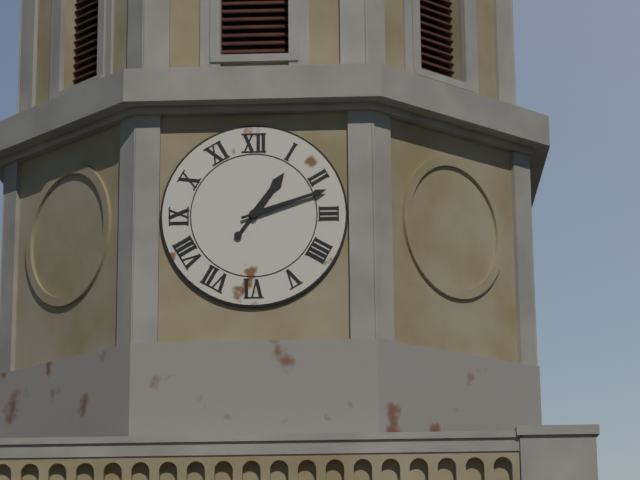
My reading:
**1:12**
